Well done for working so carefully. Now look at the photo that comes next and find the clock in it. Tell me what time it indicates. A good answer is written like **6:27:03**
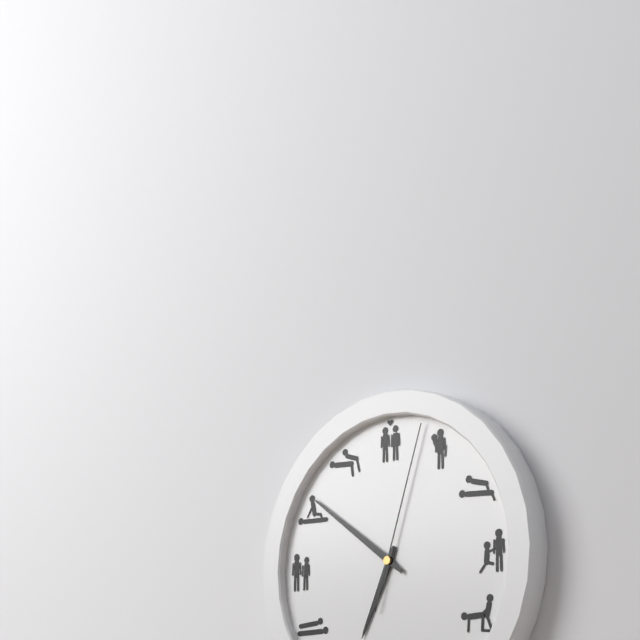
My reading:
**6:51:03**
